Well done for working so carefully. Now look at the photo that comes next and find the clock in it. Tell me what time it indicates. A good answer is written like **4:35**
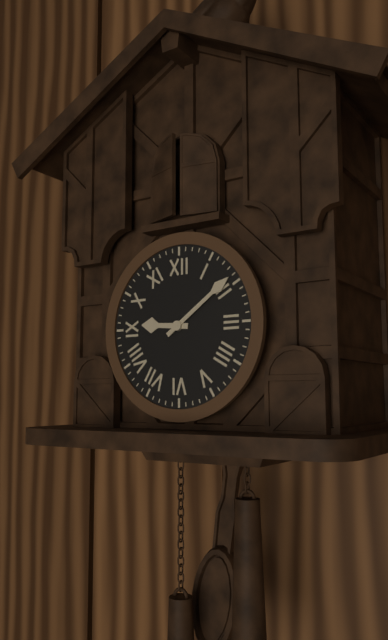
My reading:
**9:09**
